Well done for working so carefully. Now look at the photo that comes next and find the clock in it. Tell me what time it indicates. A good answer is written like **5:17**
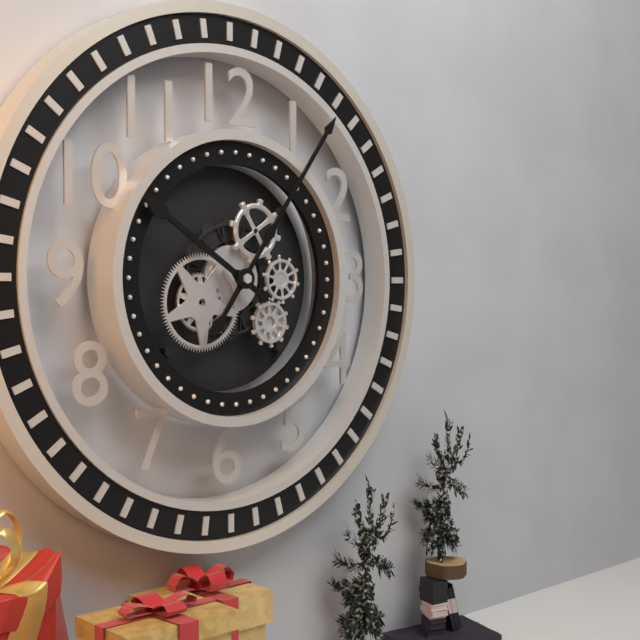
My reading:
**10:06**
